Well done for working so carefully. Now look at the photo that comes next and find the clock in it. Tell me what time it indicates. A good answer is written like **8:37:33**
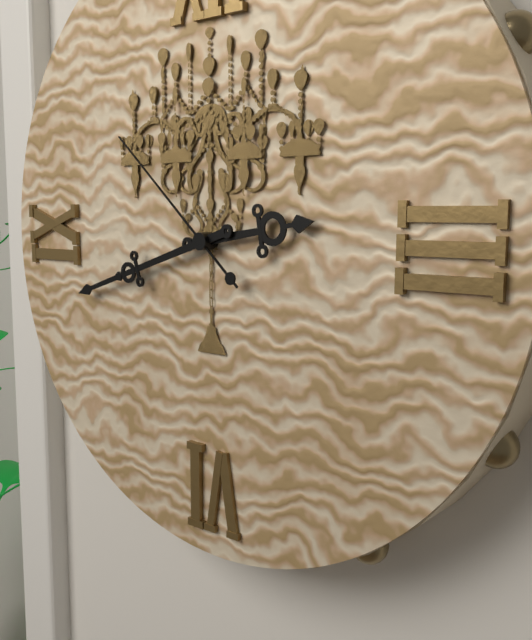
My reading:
**2:42:52**
